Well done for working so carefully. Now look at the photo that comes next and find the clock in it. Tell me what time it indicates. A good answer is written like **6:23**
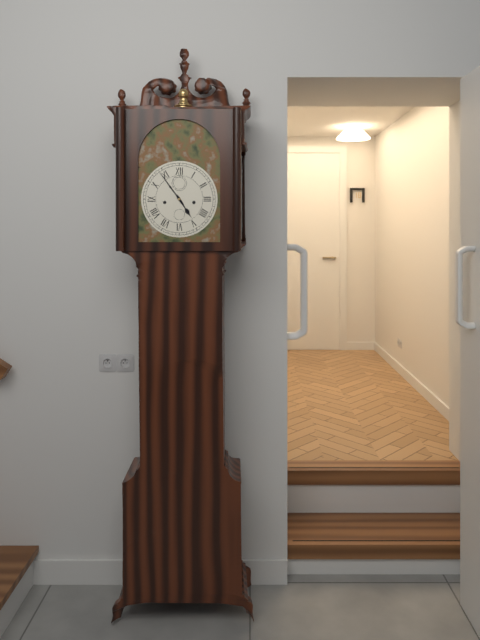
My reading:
**4:54**
